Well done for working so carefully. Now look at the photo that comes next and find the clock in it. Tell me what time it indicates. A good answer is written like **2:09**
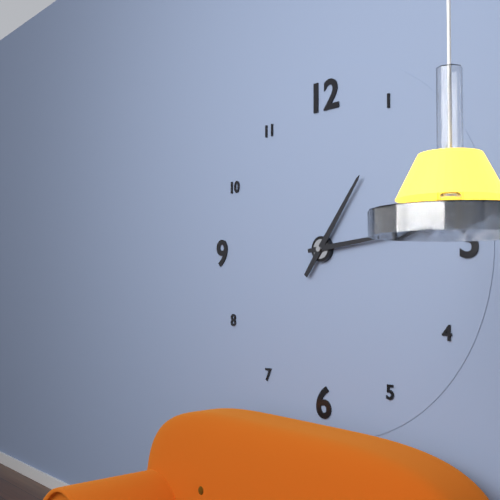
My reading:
**1:14**
